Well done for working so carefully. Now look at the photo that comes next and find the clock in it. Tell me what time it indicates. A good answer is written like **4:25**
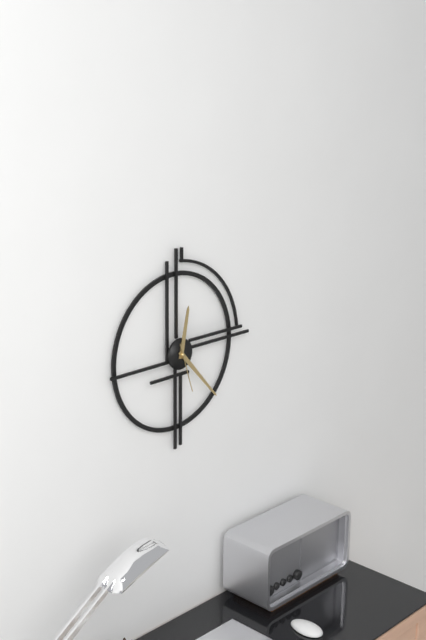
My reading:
**12:23**
